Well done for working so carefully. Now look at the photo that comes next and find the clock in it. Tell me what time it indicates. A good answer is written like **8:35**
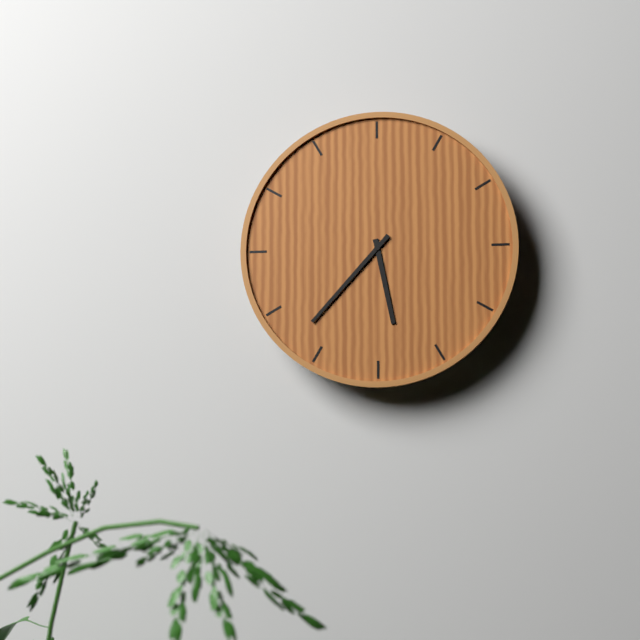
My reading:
**5:37**
